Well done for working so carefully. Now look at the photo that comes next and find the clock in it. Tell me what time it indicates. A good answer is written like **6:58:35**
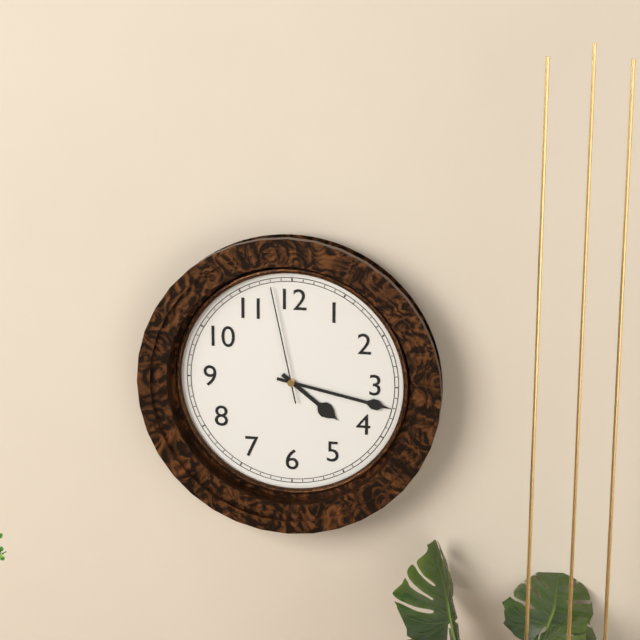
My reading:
**4:17:58**
